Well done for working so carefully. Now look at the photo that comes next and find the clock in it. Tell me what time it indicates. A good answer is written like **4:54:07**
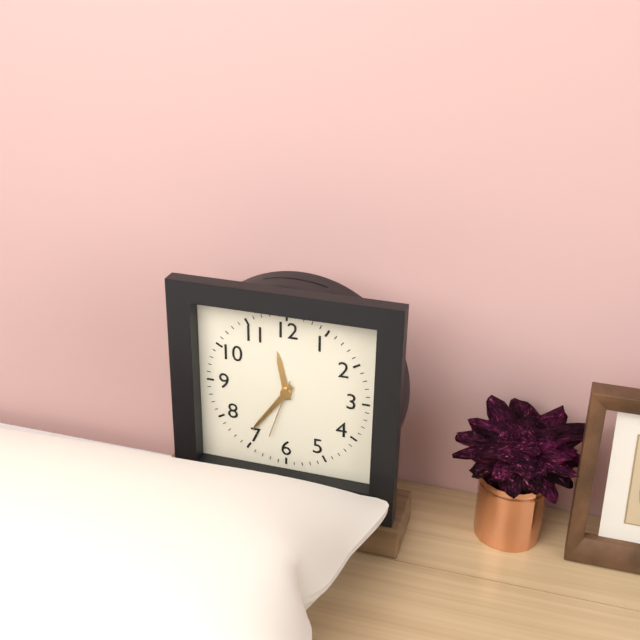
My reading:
**11:36:33**
